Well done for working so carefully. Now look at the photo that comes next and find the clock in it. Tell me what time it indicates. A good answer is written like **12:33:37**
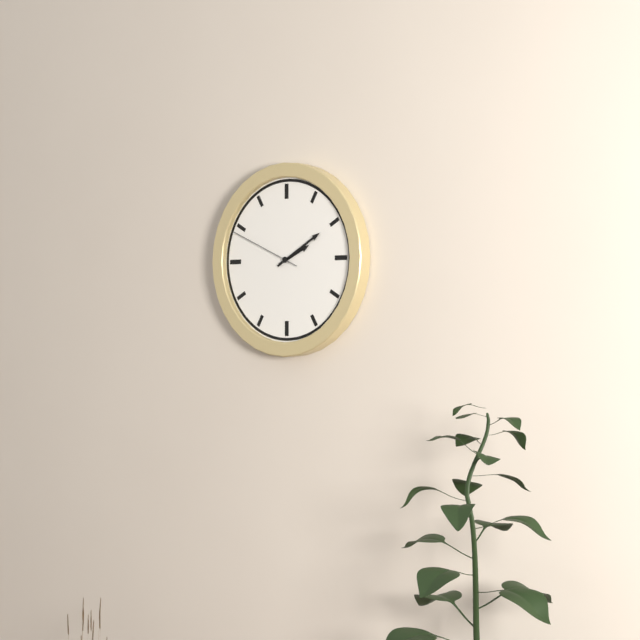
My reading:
**2:10:49**
